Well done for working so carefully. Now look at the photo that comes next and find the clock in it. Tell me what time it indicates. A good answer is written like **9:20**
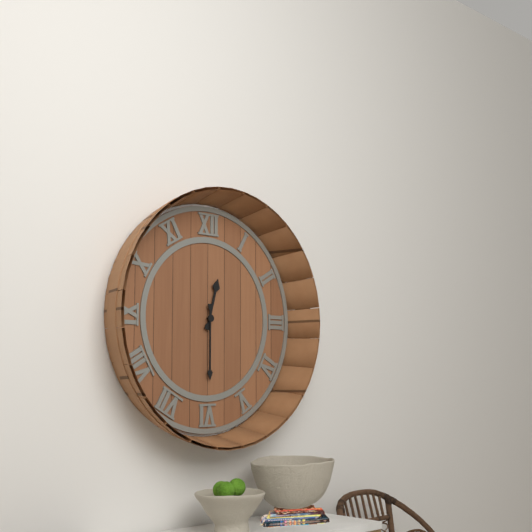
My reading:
**12:30**
